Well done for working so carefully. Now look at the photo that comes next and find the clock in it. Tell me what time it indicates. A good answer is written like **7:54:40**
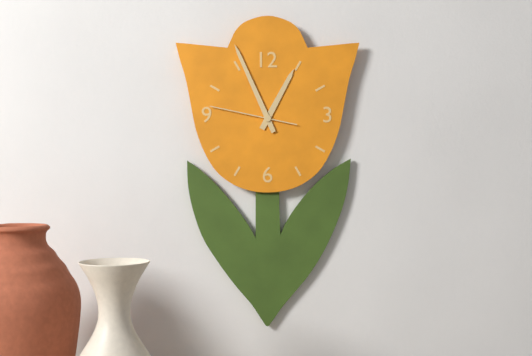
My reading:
**12:56:47**
